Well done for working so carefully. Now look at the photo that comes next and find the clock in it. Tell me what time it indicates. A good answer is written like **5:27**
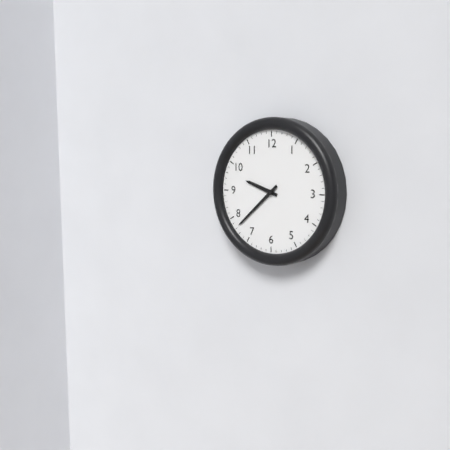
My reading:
**9:38**
